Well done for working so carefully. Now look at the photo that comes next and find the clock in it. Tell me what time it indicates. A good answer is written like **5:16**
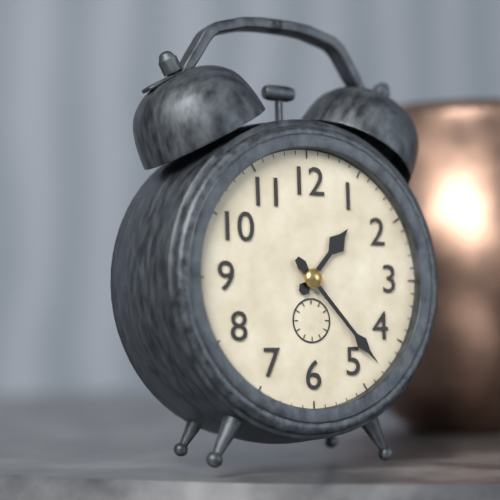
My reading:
**1:23**
